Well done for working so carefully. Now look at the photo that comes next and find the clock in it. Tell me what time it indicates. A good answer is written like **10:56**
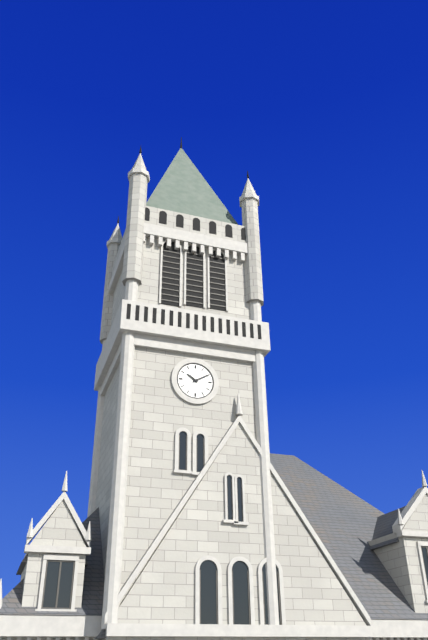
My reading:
**10:10**
